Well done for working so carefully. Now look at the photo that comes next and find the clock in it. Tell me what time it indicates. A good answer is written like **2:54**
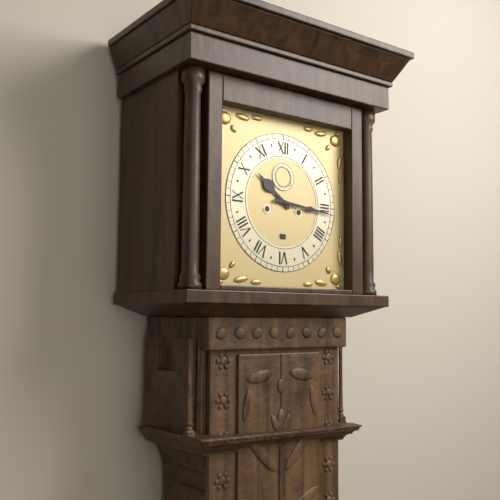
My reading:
**10:16**
